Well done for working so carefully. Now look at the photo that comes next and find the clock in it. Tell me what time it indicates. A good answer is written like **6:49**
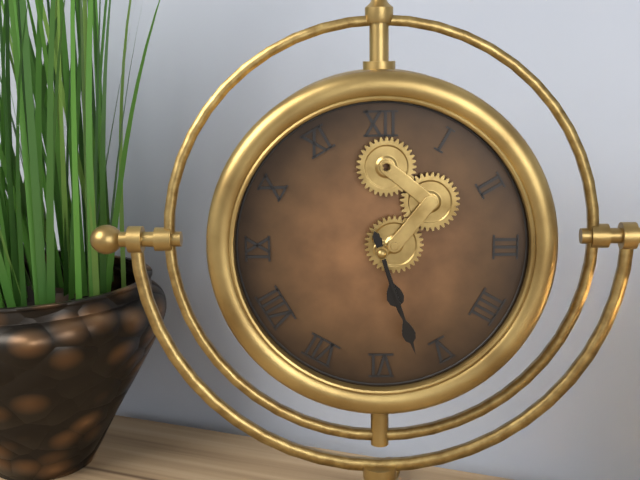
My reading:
**5:27**
